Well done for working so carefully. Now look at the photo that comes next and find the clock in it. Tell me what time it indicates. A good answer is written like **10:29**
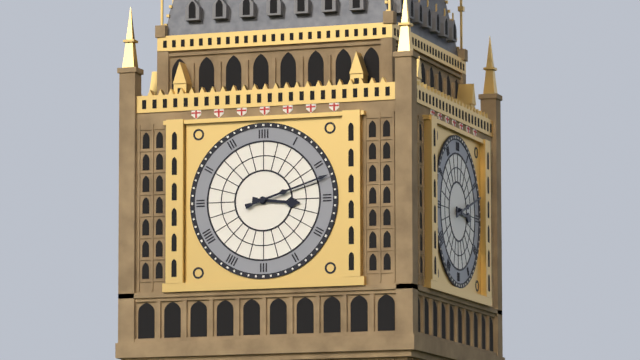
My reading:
**3:12**
